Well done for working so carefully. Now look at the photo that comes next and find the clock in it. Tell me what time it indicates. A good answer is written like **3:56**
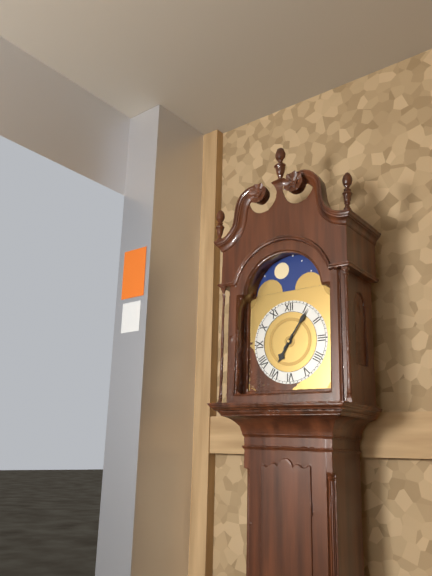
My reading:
**7:06**
